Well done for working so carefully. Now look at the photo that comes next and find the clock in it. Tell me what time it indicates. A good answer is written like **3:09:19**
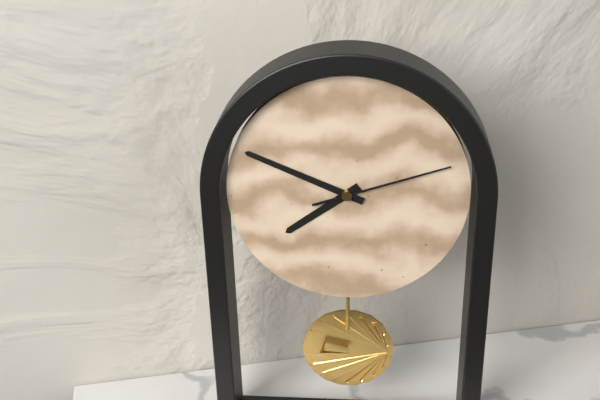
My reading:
**7:49:12**
